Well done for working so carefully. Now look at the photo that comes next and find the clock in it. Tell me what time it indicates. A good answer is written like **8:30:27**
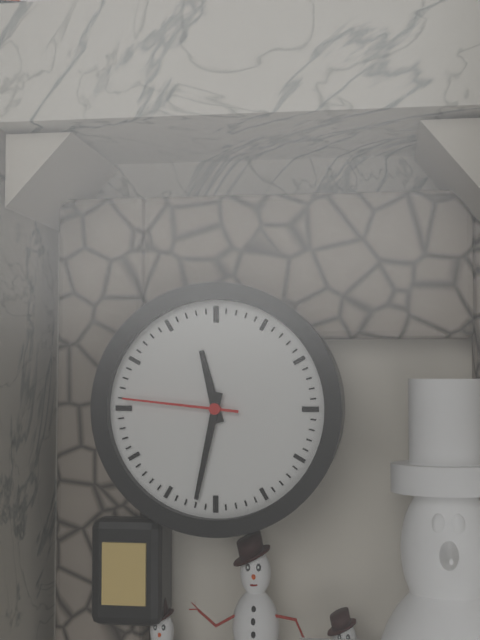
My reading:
**11:32:46**
